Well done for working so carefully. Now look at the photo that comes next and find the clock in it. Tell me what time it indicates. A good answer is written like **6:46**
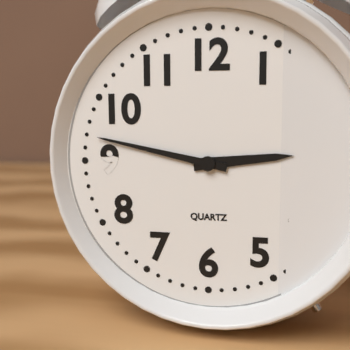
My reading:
**2:47**
